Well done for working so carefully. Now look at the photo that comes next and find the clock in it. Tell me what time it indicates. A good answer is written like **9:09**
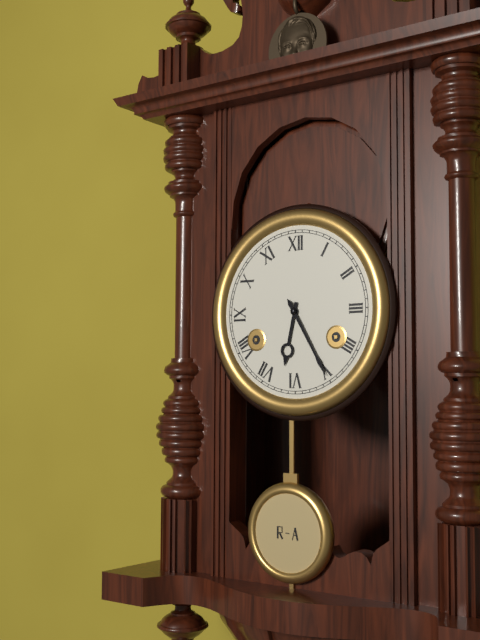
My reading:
**6:25**
